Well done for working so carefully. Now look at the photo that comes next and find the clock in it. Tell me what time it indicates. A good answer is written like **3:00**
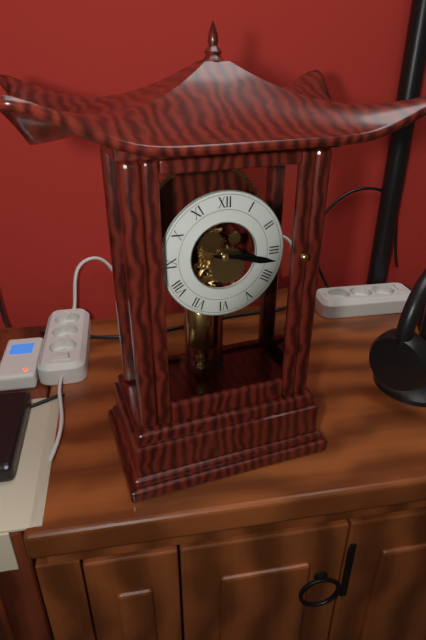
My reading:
**3:17**
